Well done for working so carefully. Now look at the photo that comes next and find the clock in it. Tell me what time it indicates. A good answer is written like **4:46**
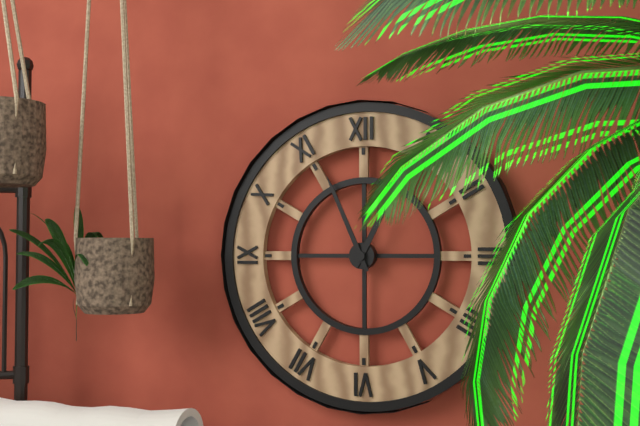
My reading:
**12:56**
